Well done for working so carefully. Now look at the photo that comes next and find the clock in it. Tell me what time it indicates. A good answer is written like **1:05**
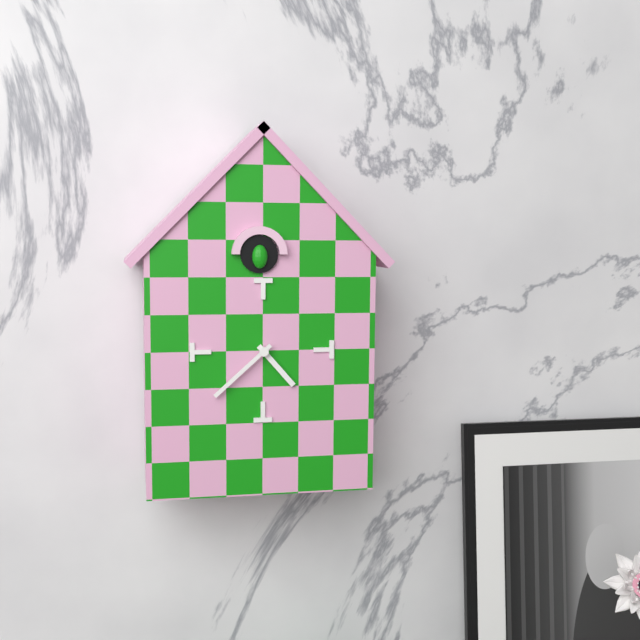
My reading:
**4:38**
